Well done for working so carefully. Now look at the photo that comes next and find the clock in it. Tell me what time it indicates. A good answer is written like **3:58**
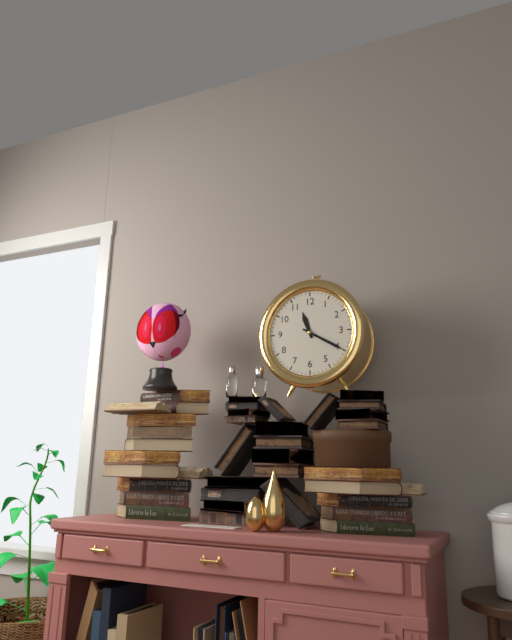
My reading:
**11:20**
